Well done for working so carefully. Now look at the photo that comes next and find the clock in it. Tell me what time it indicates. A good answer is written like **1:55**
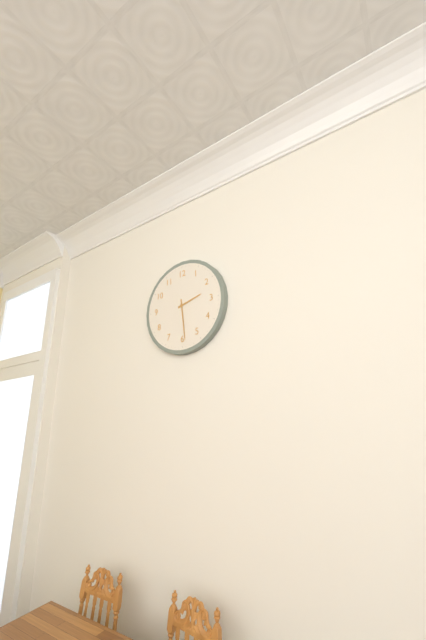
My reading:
**2:29**
